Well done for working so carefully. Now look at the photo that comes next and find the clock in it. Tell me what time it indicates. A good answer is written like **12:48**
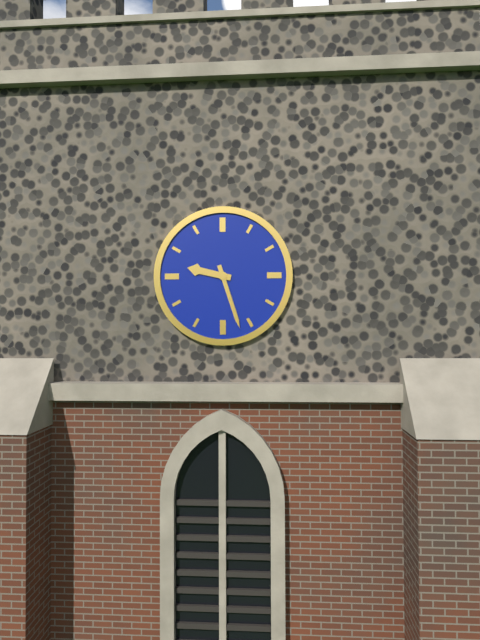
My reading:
**9:27**
